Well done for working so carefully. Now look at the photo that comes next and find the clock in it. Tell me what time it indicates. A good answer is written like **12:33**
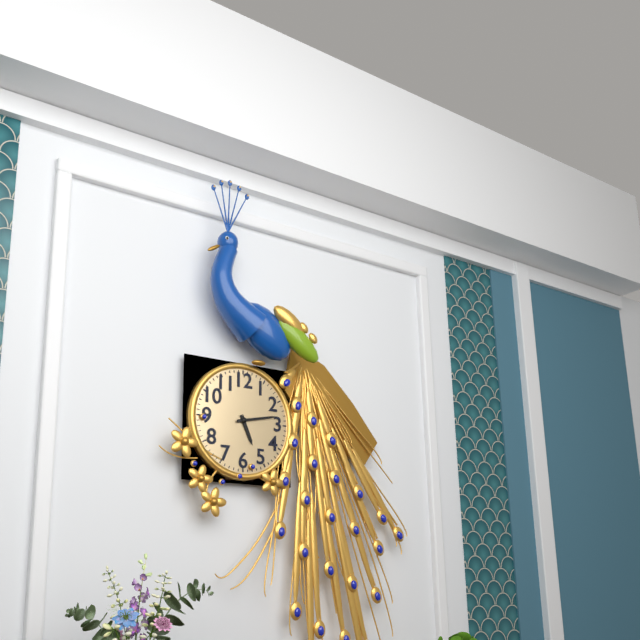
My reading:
**5:13**
